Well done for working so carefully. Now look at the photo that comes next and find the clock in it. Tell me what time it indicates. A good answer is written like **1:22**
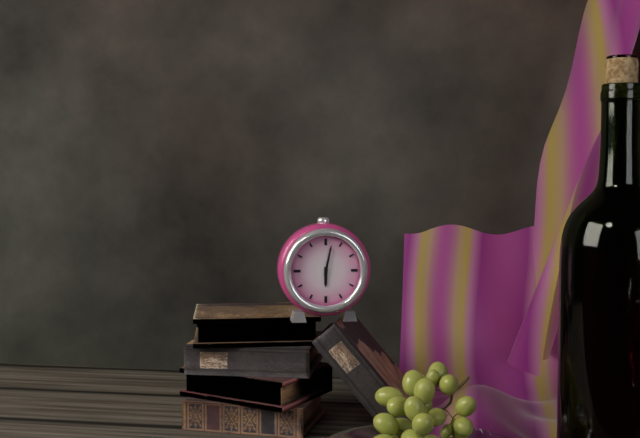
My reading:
**6:02**
